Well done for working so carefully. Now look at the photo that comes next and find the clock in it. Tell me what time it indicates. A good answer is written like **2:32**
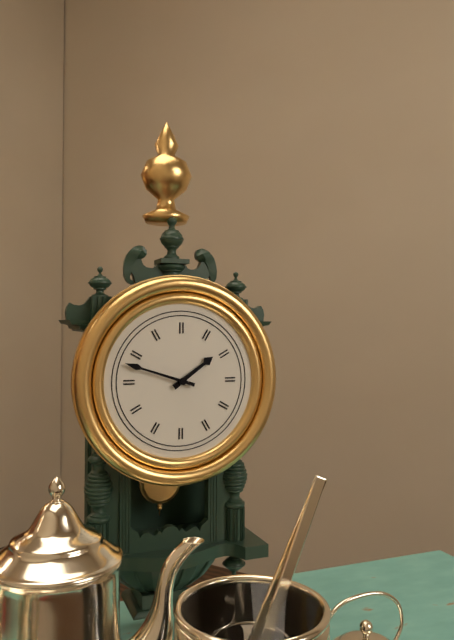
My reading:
**1:48**
